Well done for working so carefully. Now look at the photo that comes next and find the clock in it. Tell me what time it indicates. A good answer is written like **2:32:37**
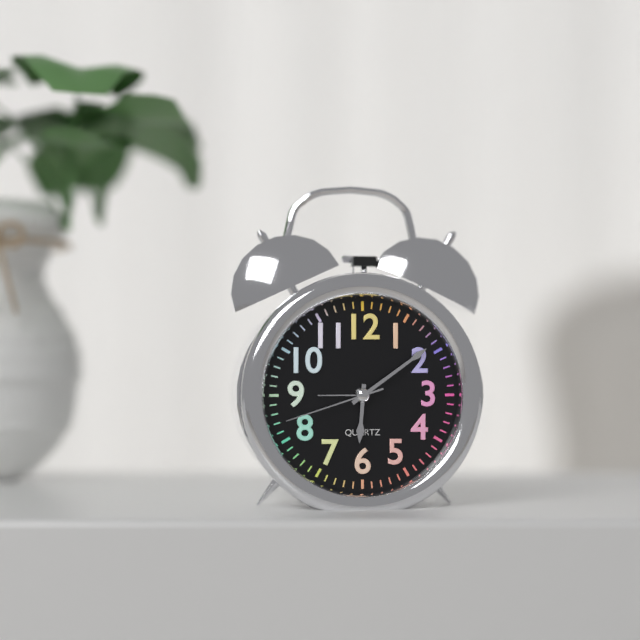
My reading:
**6:09:42**
